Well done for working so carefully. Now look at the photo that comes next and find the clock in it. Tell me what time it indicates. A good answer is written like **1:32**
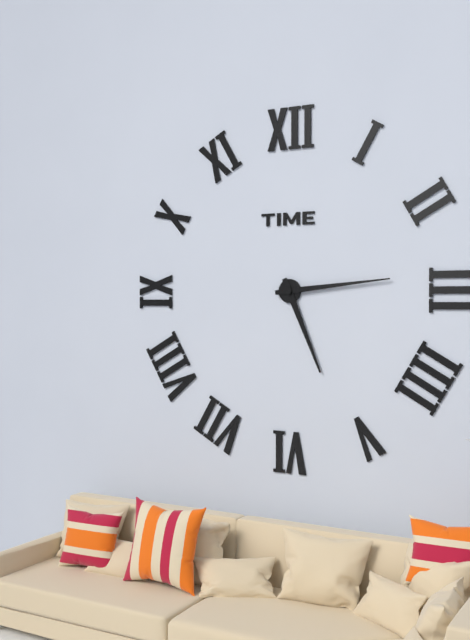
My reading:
**5:14**
